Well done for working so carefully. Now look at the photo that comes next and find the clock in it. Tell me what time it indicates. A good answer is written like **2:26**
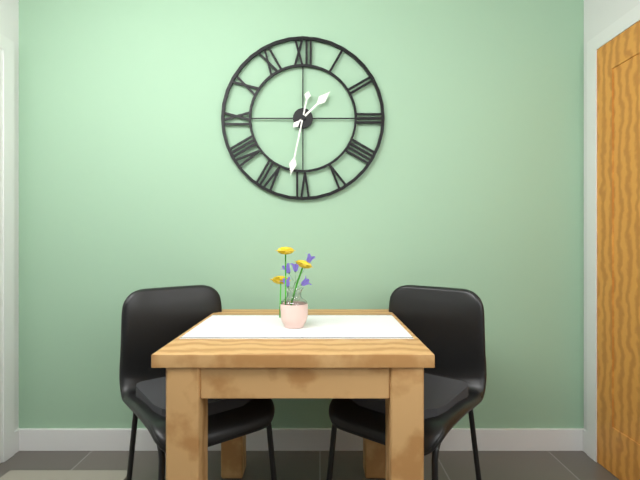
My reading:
**1:32**
